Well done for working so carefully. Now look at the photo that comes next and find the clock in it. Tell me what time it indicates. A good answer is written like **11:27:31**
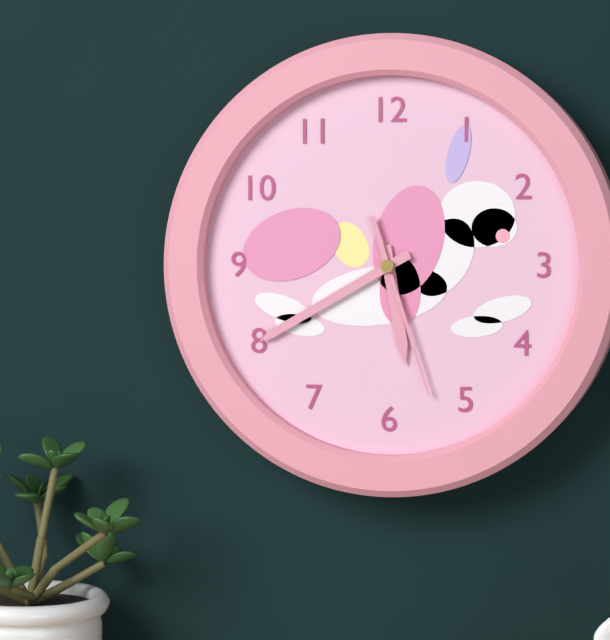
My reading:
**5:40:27**
